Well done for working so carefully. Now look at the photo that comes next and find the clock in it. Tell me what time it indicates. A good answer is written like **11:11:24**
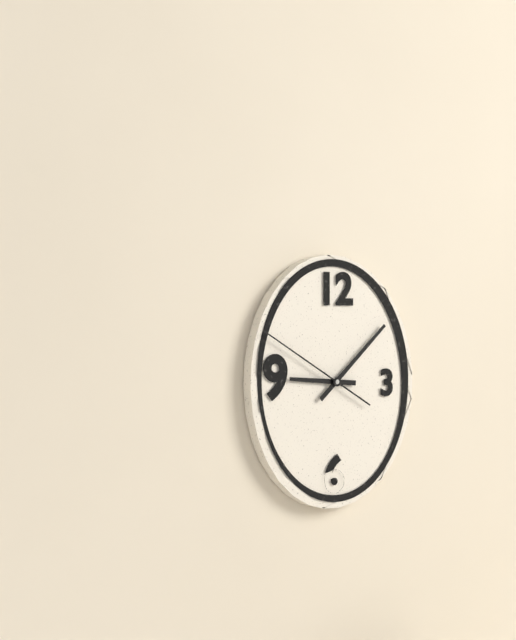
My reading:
**9:08:50**
